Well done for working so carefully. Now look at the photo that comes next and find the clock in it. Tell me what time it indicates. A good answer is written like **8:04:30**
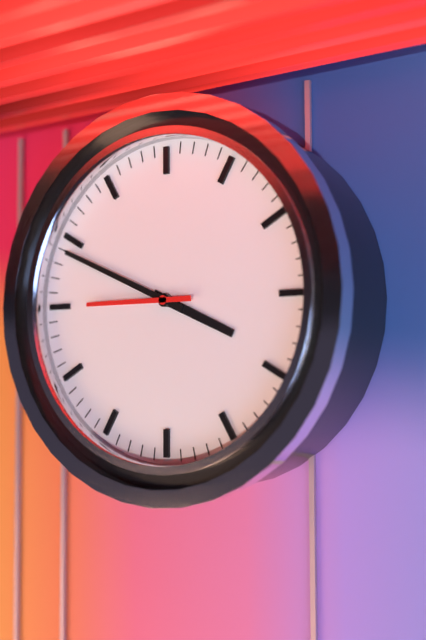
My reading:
**3:49:45**
